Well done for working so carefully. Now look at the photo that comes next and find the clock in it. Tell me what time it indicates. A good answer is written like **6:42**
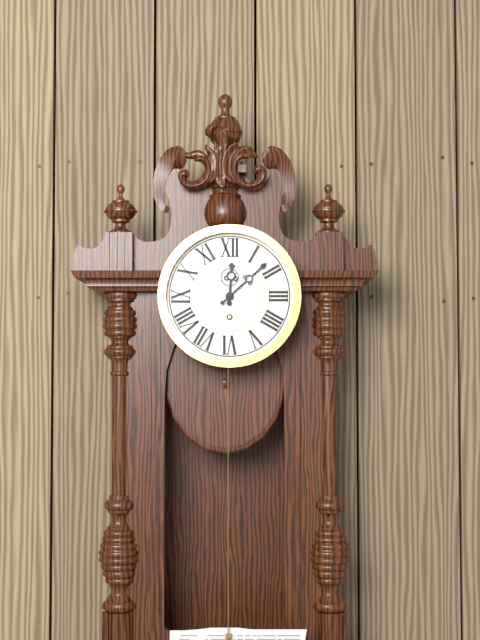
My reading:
**12:08**
